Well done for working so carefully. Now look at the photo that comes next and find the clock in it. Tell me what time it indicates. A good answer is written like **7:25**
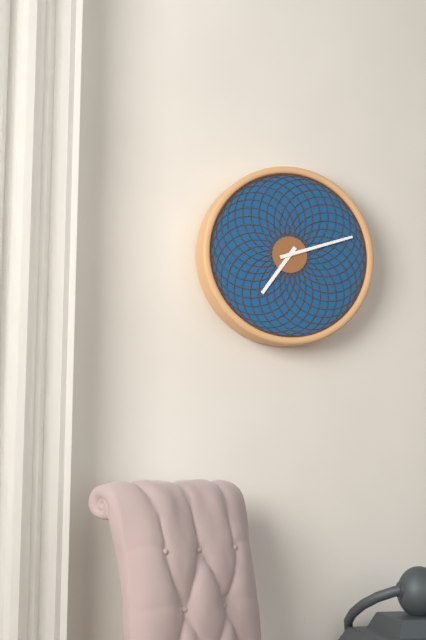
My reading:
**7:12**
